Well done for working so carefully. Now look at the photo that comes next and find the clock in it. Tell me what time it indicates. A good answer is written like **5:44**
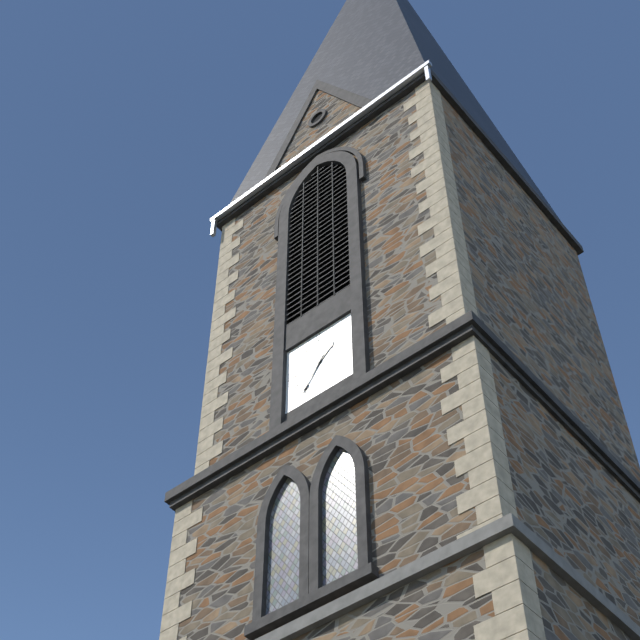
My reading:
**1:36**
